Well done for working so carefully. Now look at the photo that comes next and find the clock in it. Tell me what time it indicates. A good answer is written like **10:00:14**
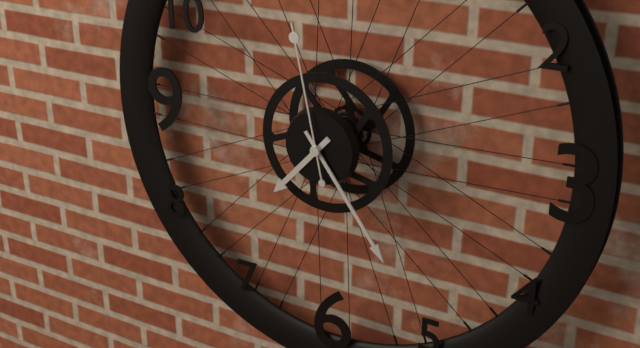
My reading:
**7:24:58**
